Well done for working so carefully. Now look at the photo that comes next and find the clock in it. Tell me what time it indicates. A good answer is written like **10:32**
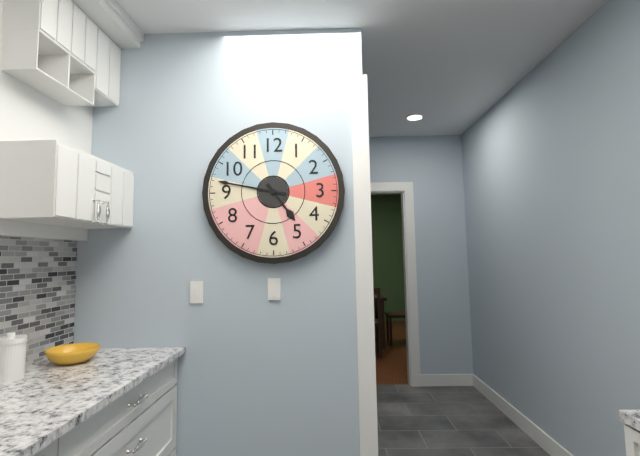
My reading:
**4:47**
